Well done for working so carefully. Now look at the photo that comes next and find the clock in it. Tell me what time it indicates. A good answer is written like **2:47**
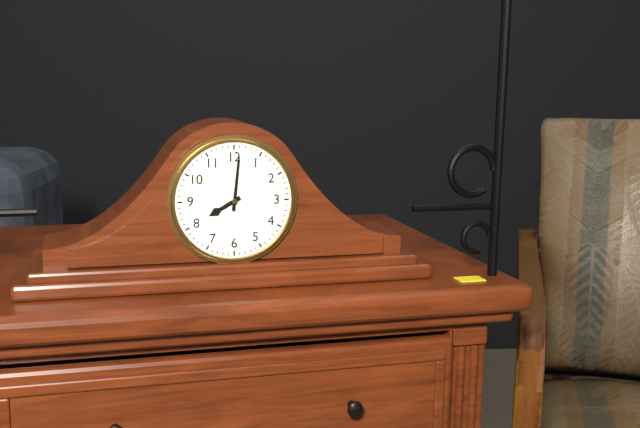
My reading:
**8:01**
